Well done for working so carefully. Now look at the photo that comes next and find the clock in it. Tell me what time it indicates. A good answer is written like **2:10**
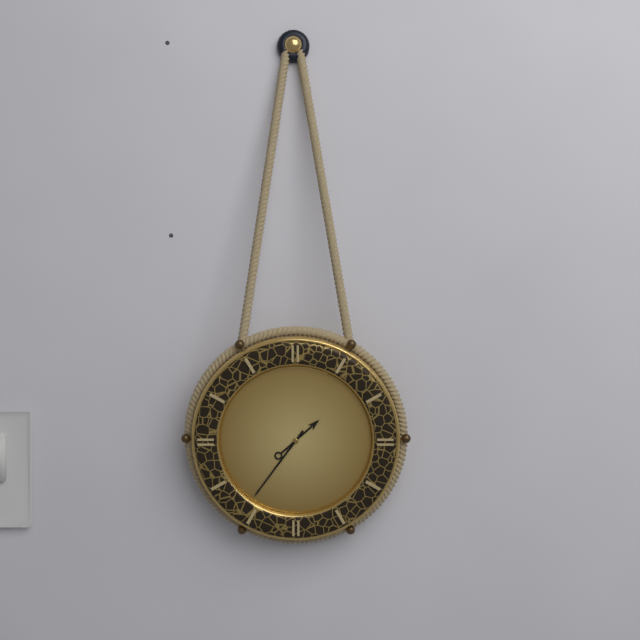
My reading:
**1:36**
